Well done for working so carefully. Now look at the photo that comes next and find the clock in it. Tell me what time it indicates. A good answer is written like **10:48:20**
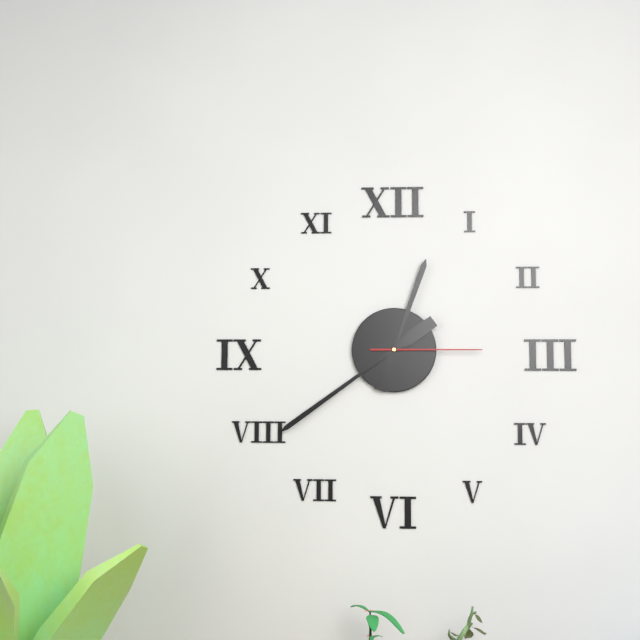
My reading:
**12:39:15**
